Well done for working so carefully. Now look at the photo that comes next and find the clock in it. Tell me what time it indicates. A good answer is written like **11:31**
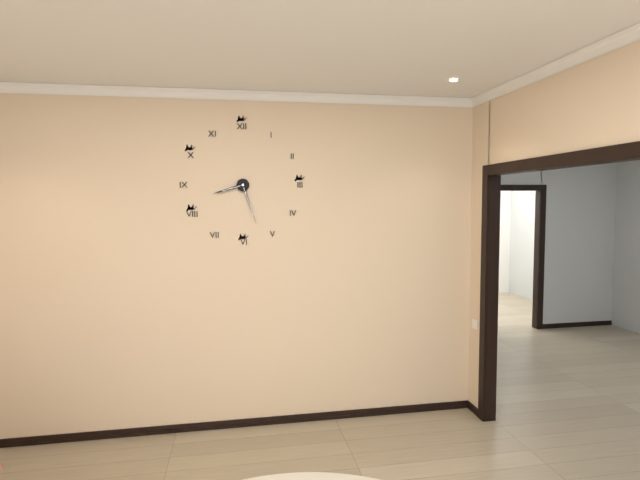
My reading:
**8:27**
